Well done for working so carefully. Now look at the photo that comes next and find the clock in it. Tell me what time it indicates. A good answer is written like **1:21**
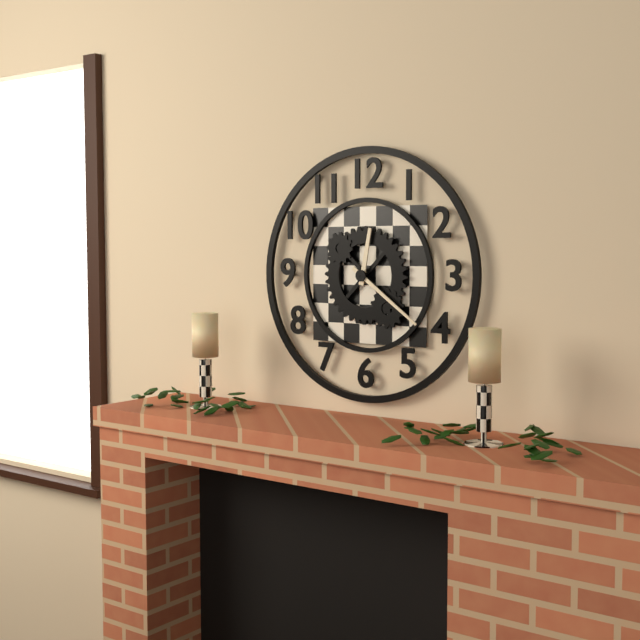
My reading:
**12:21**
